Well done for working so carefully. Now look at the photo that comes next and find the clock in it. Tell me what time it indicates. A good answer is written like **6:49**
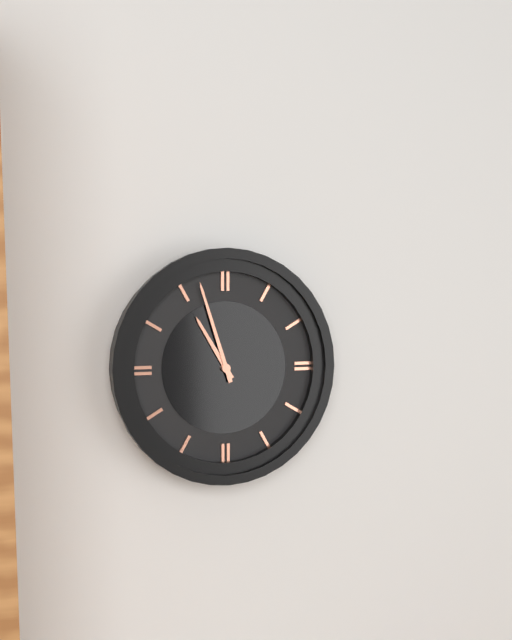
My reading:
**10:57**
